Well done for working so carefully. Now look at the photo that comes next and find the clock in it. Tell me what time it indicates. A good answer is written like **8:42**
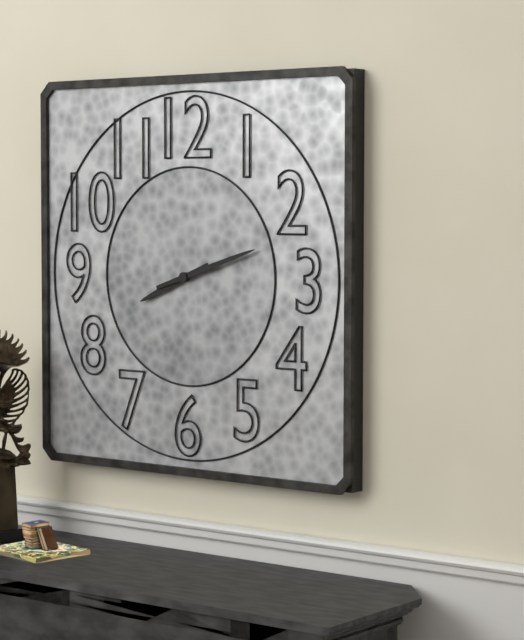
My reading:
**8:12**
